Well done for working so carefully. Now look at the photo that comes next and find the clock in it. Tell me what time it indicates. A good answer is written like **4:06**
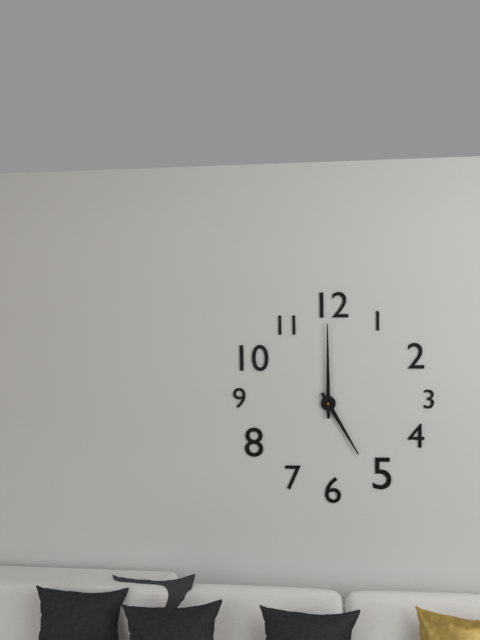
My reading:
**5:00**
